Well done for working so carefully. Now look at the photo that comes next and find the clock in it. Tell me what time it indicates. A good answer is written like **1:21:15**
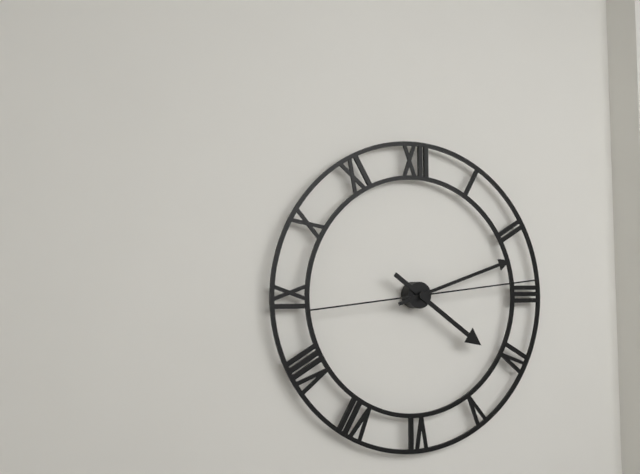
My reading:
**4:12:14**
